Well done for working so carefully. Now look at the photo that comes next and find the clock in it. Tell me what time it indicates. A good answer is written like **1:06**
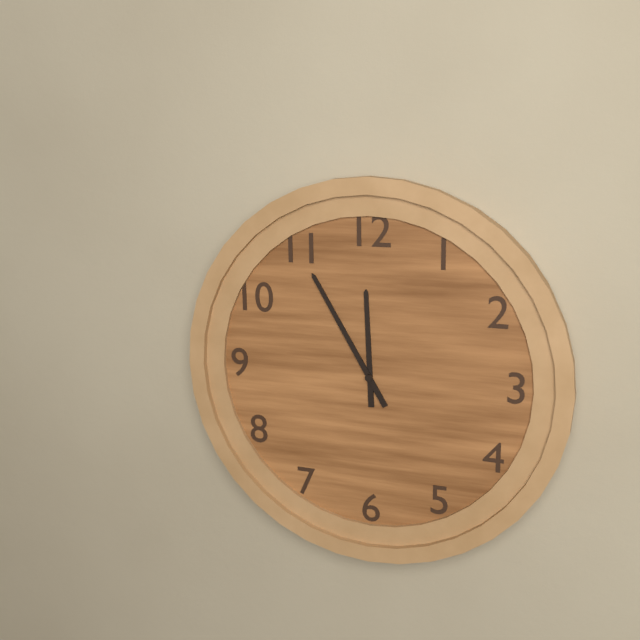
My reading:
**11:55**
